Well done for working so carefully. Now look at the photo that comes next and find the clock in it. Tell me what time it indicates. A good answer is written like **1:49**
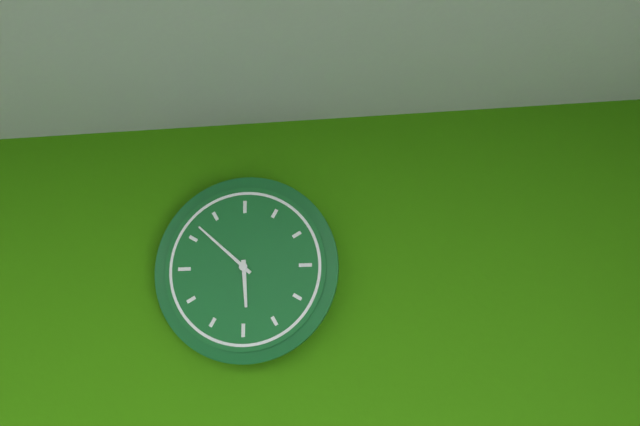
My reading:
**5:52**
